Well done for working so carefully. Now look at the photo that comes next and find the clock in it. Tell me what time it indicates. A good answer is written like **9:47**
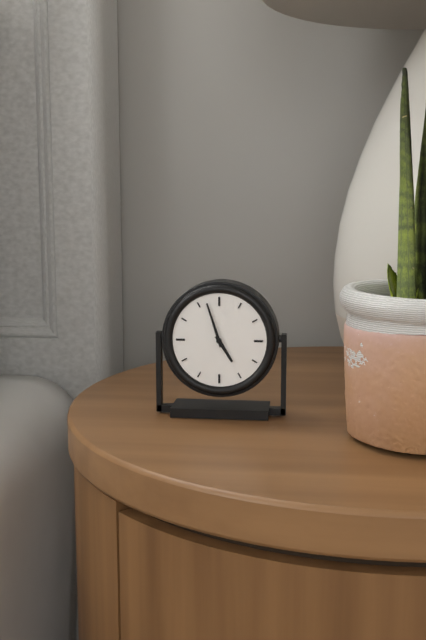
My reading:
**4:57**
